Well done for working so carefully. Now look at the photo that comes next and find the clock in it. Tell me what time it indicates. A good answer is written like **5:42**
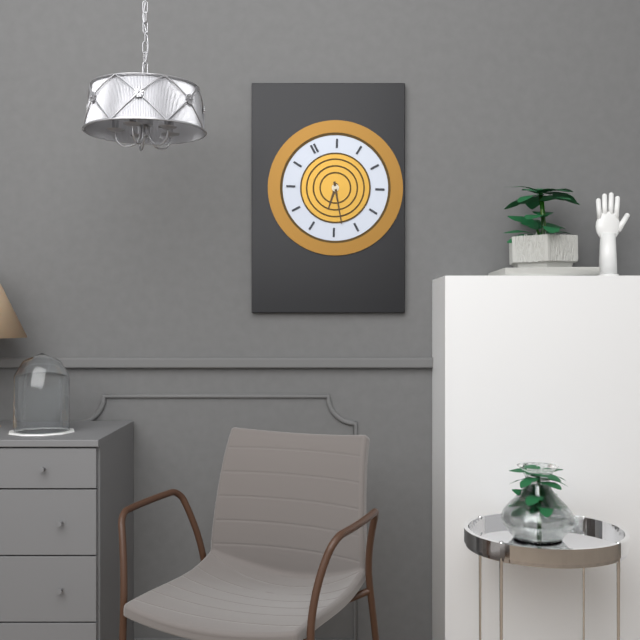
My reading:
**7:33**
